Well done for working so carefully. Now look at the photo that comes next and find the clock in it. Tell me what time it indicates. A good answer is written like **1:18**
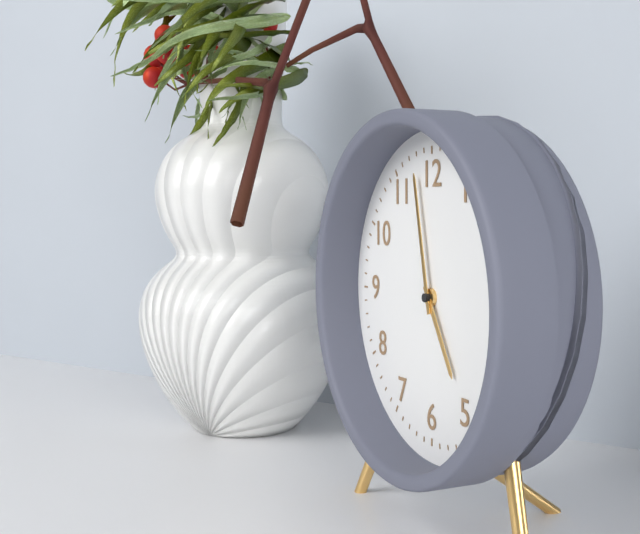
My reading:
**4:58**
